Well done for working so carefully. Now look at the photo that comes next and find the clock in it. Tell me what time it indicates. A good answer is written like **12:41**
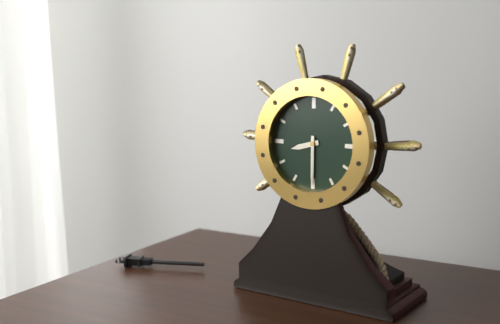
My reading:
**8:30**
